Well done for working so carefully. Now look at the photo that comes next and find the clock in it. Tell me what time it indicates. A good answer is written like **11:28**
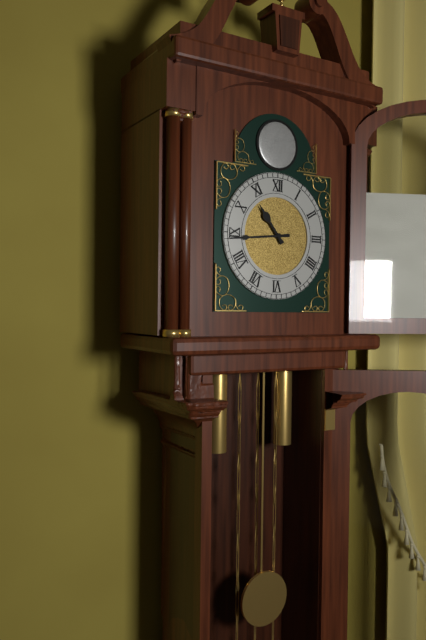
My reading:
**10:44**
